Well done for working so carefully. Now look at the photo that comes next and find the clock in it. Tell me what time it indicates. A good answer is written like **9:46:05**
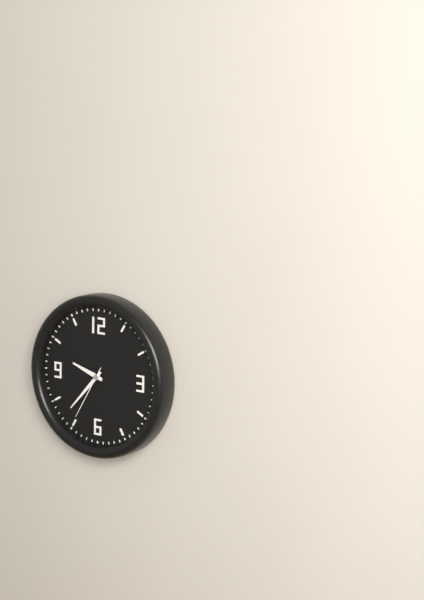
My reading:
**9:37:35**
